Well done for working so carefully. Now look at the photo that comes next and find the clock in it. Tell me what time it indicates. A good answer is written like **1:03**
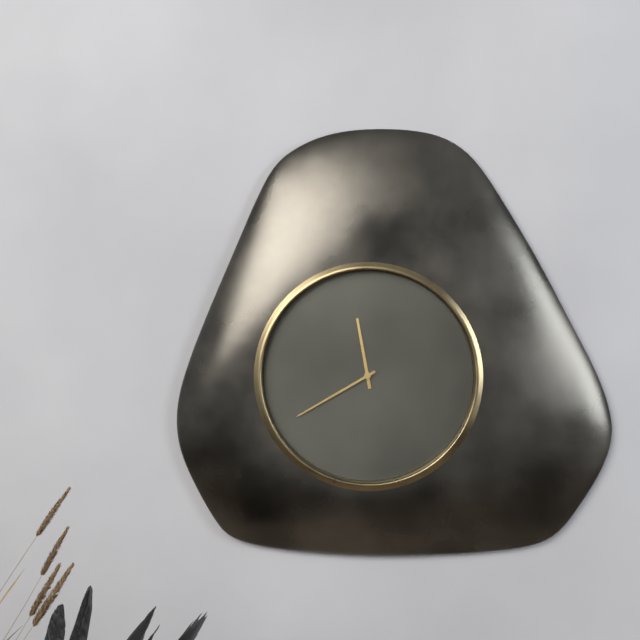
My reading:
**11:40**
